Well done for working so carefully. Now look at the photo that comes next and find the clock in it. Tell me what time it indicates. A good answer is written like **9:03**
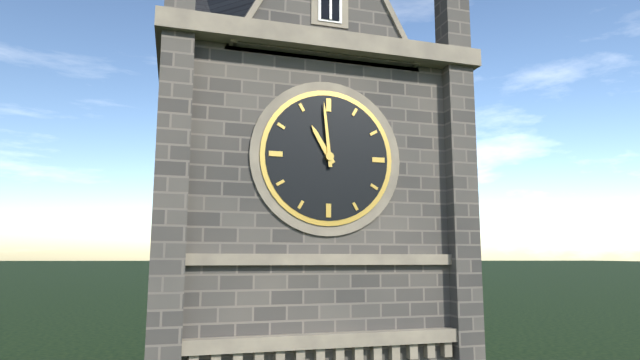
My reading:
**10:59**
